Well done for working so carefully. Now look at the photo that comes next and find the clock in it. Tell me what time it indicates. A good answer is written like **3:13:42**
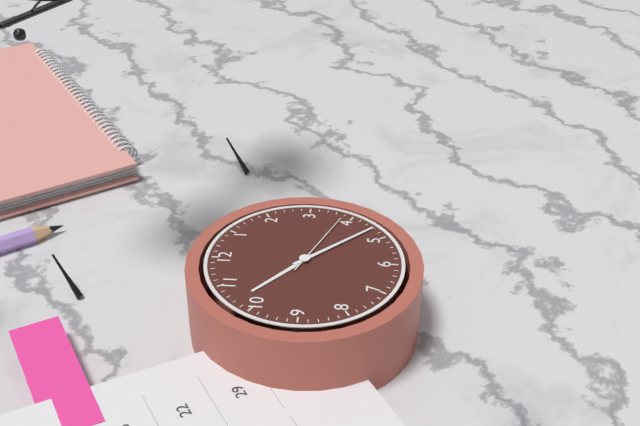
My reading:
**10:23:19**
